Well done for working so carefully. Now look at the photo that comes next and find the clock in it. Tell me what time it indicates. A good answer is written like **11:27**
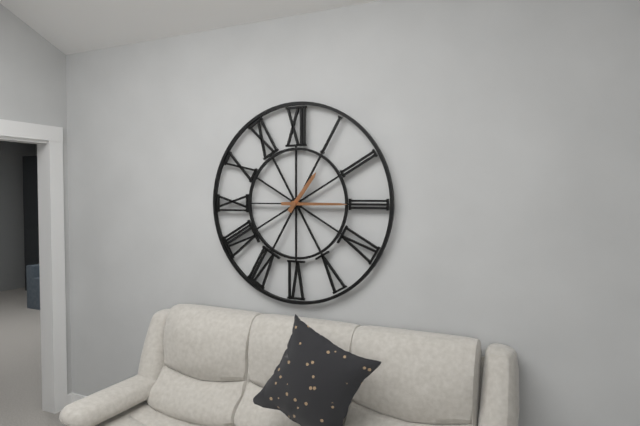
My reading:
**1:15**
